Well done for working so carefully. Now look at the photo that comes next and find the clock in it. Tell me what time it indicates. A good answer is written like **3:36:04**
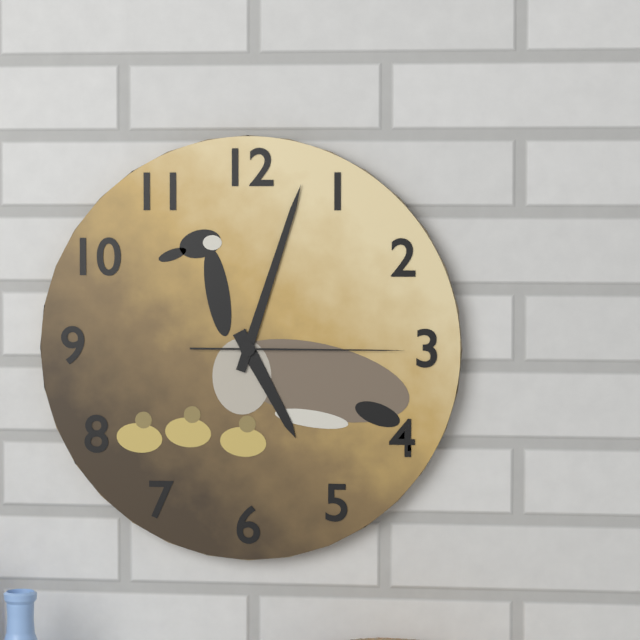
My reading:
**5:03:15**
